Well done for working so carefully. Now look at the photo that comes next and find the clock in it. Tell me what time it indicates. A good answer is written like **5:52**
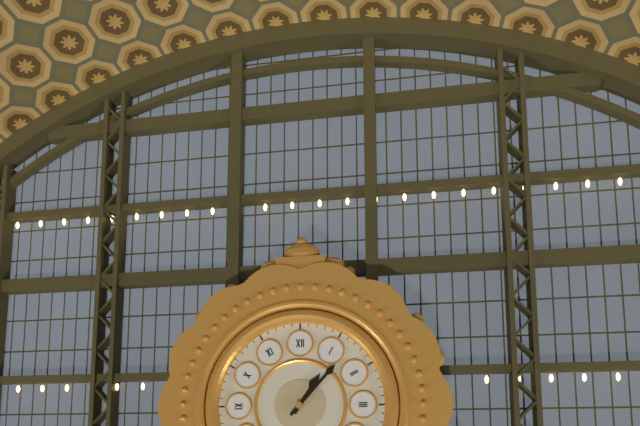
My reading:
**1:07**
